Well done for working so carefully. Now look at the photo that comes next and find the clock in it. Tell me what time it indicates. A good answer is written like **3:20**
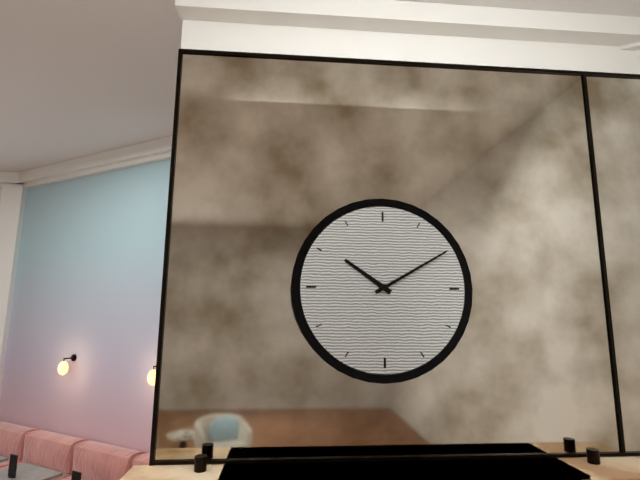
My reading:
**10:10**
